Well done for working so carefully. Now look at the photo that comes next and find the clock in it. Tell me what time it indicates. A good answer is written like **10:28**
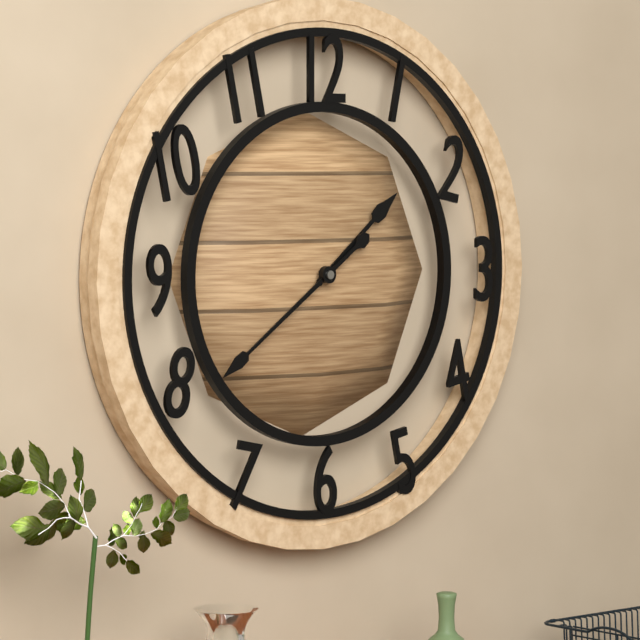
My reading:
**1:39**
